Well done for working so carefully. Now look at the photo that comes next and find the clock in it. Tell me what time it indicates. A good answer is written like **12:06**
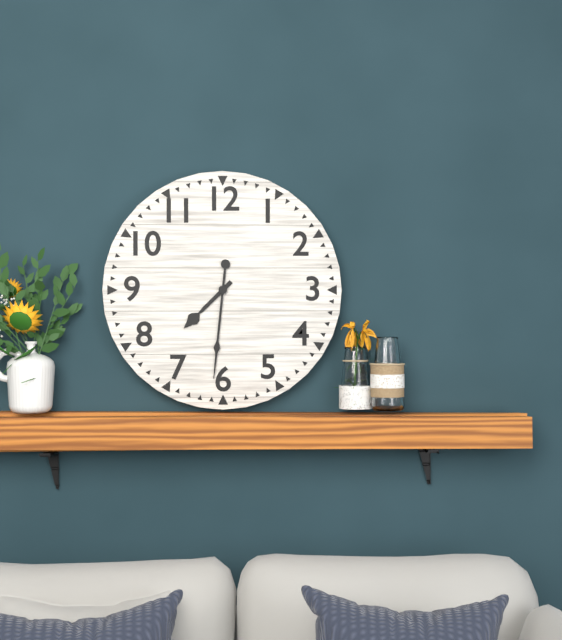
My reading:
**7:31**
